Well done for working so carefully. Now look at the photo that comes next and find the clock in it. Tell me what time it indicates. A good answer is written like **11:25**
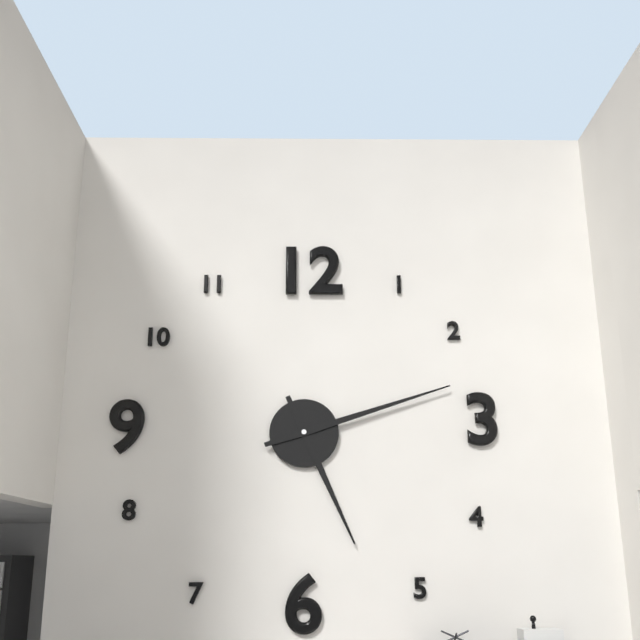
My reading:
**5:12**
